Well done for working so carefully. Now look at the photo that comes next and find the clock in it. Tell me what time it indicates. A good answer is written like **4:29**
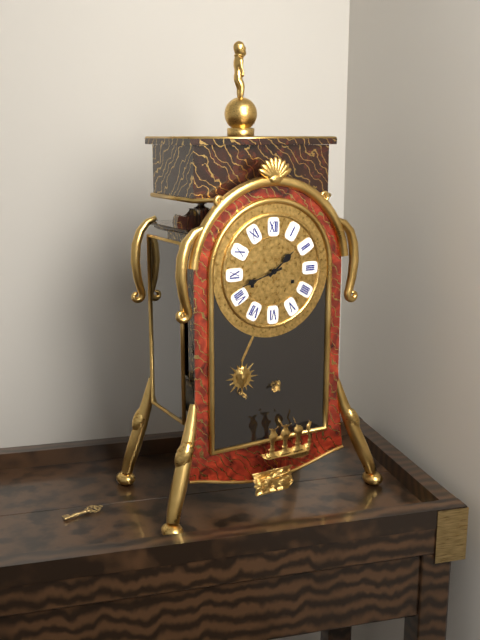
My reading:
**1:42**
